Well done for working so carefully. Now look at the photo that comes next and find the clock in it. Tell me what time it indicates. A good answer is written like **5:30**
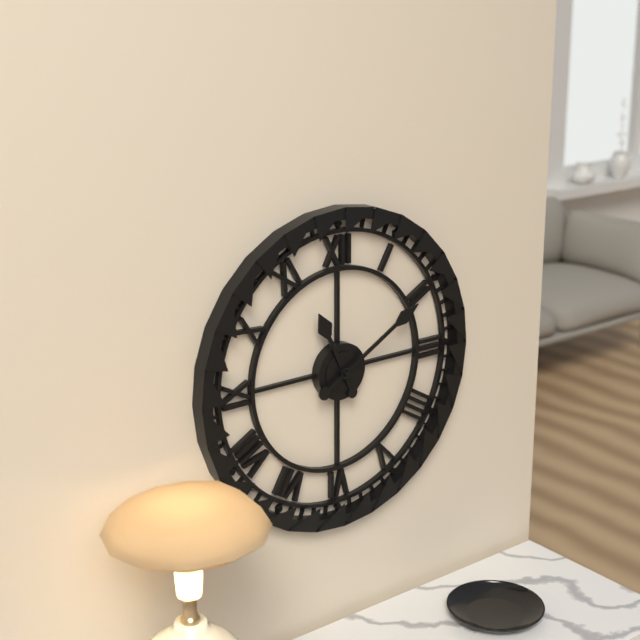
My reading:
**11:10**
